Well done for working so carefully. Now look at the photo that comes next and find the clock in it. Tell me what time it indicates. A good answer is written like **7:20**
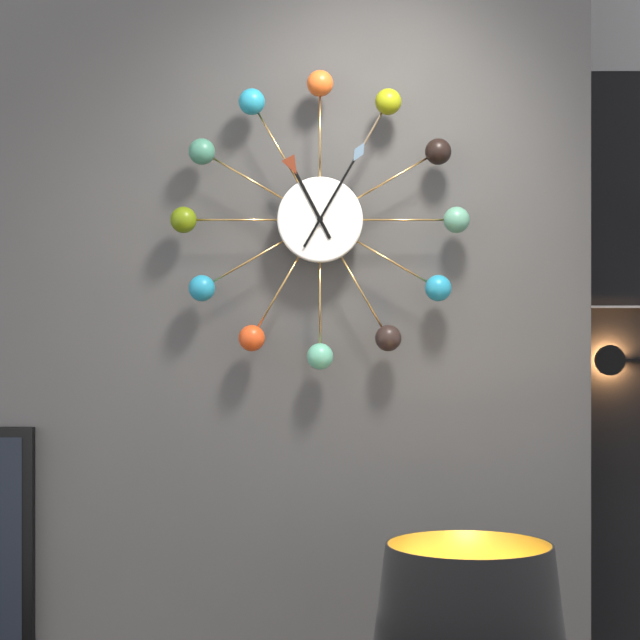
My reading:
**11:05**
